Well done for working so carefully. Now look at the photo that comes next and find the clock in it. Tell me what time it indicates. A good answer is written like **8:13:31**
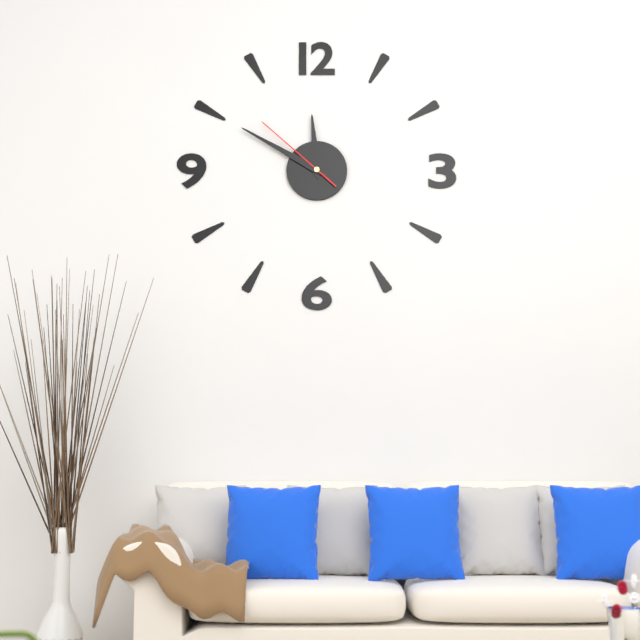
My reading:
**11:50:52**
